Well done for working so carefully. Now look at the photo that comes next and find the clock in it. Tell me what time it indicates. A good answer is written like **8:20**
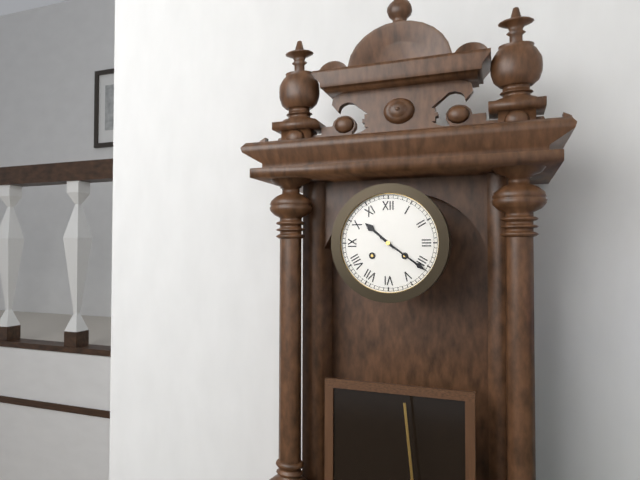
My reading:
**10:21**
